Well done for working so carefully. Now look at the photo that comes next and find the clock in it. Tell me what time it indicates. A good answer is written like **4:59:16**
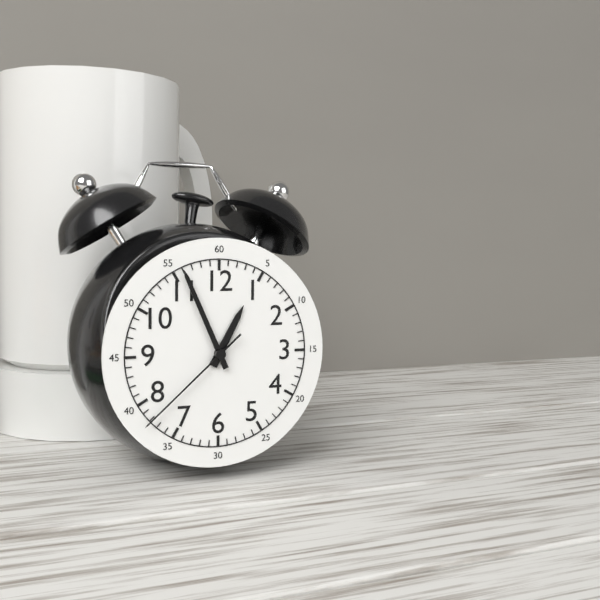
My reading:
**12:56:38**
